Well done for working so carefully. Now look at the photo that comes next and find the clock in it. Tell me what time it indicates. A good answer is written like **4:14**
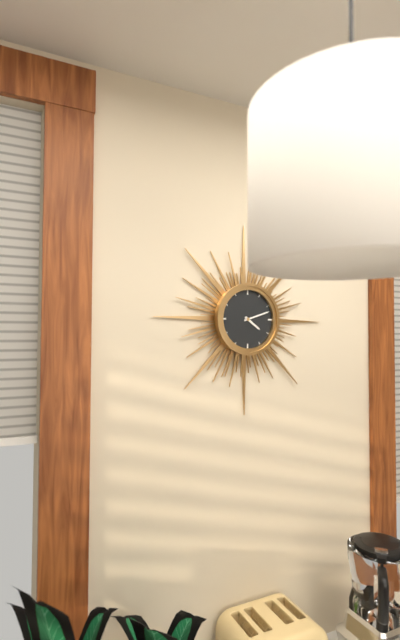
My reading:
**4:12**
